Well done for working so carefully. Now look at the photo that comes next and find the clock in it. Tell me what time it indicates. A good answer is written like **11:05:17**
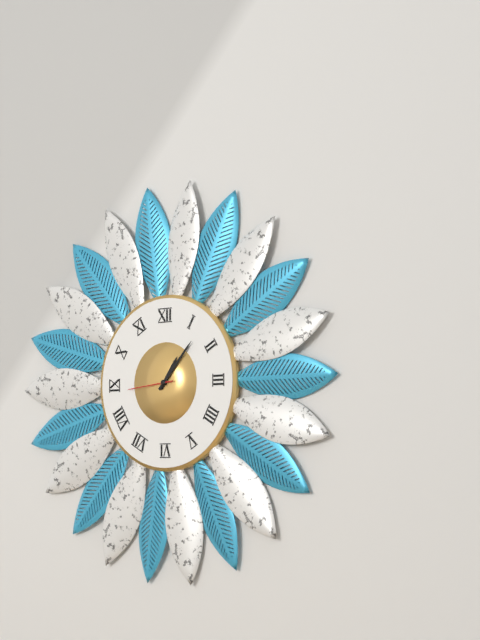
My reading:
**1:07:44**
